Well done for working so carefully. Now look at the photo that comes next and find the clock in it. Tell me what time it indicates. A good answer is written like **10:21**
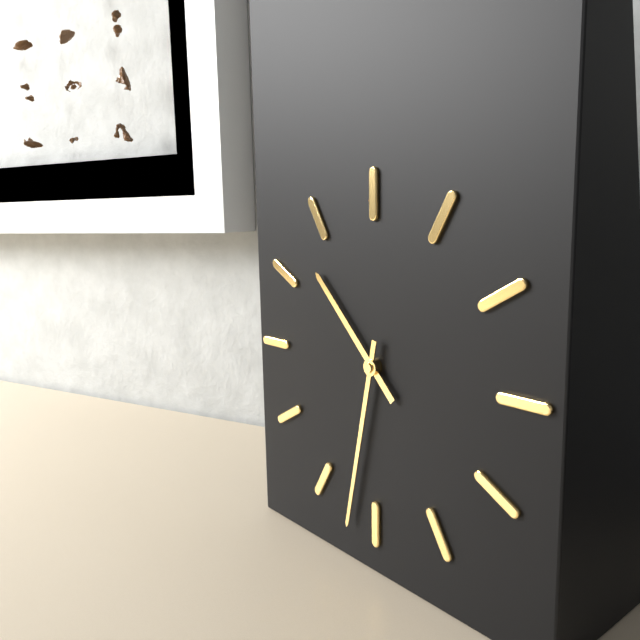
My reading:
**10:32**
